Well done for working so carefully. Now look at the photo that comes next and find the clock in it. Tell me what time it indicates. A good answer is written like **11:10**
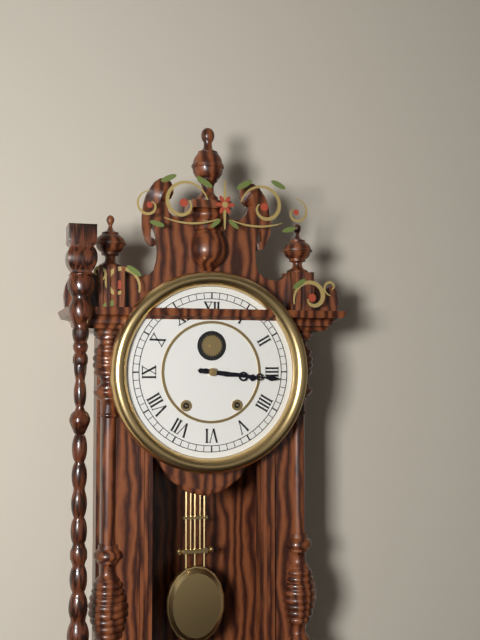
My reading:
**3:16**
